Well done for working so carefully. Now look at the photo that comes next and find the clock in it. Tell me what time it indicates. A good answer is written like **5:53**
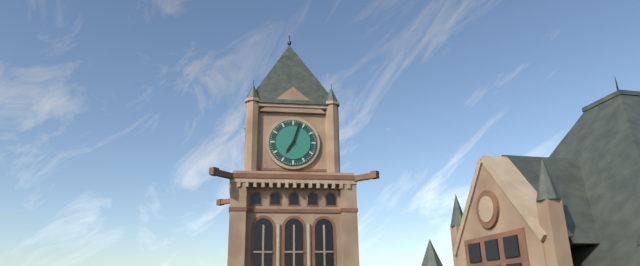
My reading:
**7:03**
